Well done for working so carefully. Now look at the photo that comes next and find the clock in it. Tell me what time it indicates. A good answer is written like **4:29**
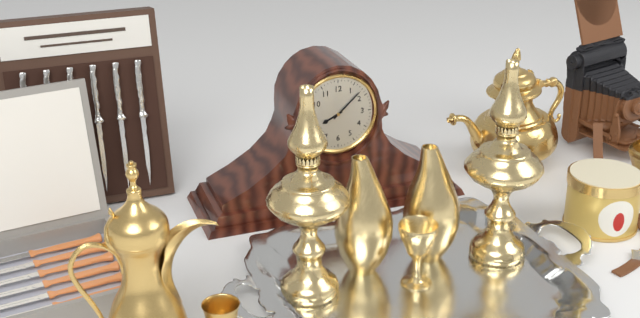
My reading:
**8:08**
